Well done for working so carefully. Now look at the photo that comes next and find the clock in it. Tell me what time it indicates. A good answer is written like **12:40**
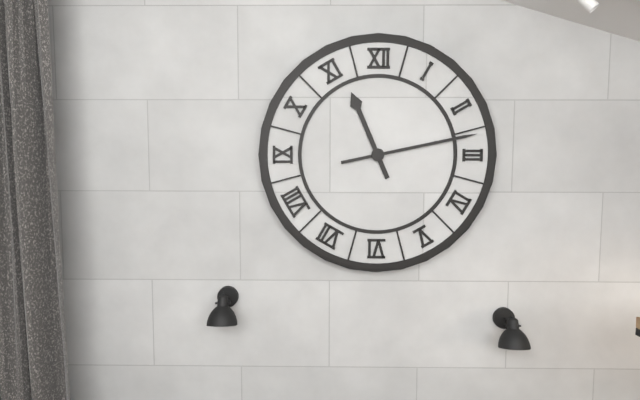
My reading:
**11:13**
